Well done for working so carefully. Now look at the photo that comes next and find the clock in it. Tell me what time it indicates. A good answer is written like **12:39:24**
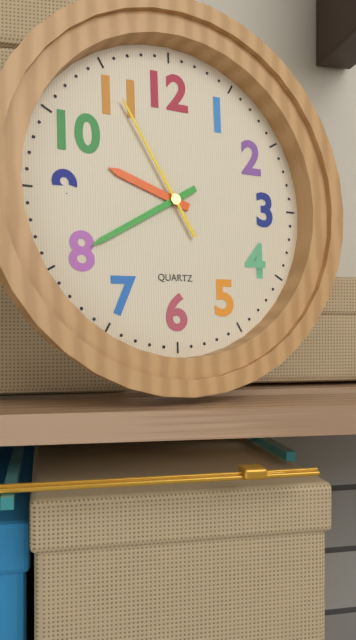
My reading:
**9:40:55**
